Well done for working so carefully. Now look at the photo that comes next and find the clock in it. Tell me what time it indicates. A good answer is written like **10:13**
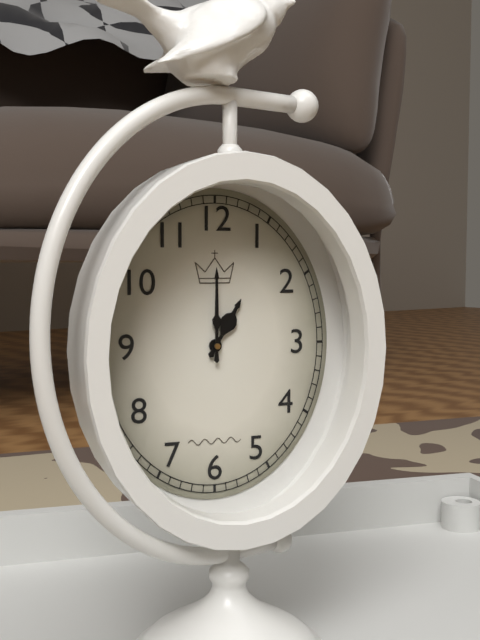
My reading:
**1:00**
